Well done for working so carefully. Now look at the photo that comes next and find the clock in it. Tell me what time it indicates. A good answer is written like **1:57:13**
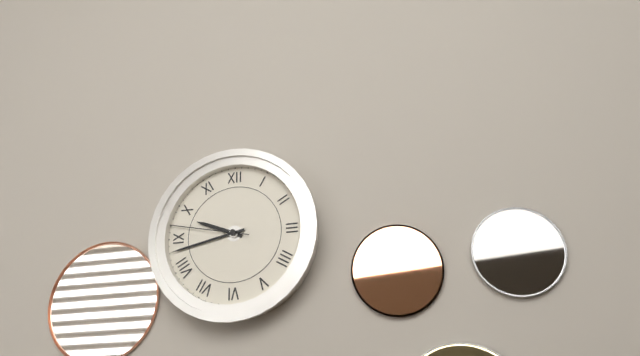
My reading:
**9:43:47**
